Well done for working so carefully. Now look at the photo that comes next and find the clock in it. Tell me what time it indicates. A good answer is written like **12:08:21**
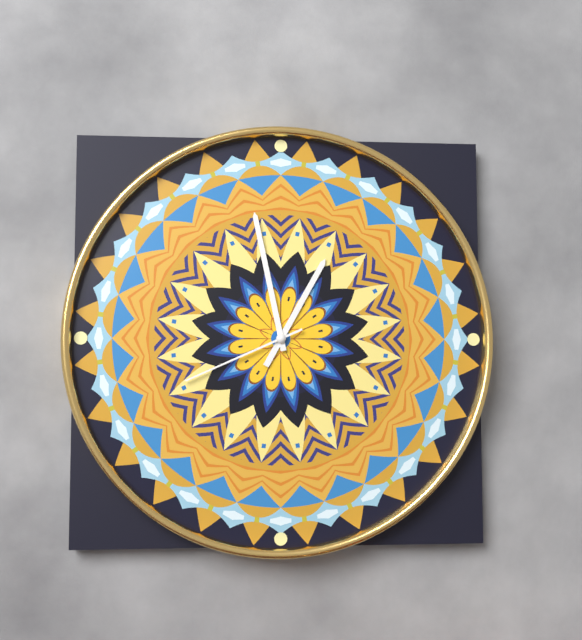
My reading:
**12:58:41**
